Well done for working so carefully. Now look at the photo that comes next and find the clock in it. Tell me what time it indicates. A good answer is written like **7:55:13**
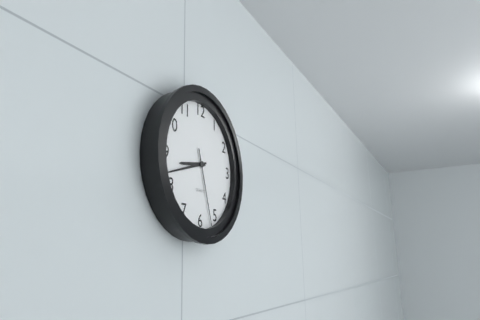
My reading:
**8:42:27**
